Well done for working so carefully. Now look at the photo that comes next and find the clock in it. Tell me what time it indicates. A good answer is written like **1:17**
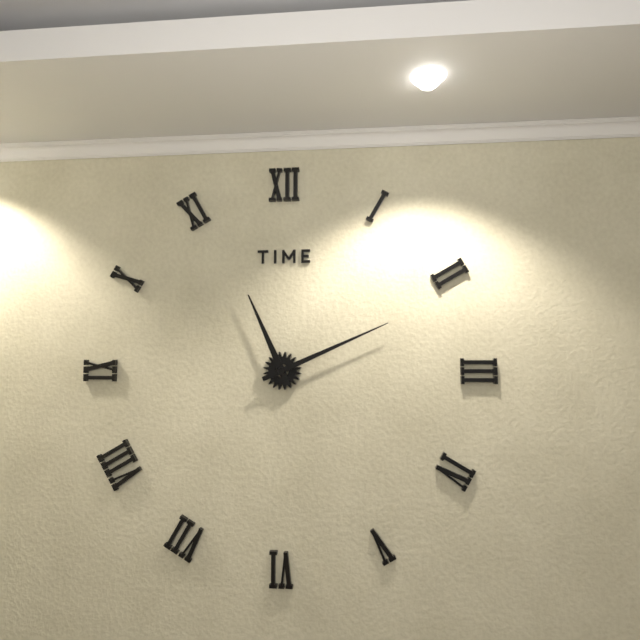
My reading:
**11:11**
